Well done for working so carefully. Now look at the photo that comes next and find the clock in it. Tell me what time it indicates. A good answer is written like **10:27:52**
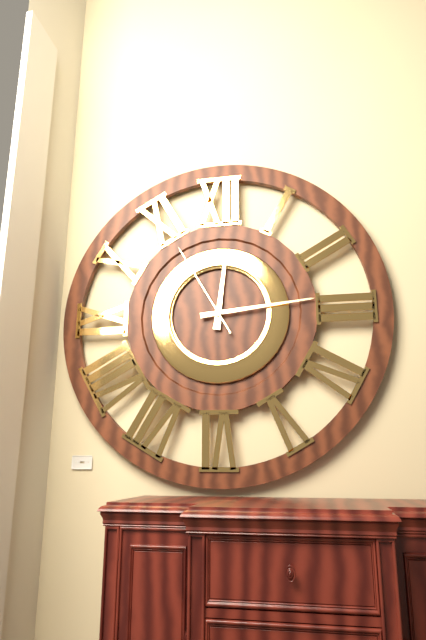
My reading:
**12:14:55**
